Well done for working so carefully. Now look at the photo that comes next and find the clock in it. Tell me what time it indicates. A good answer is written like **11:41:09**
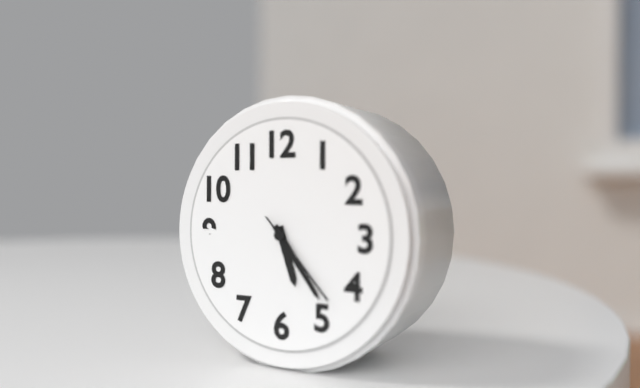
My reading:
**5:24:23**
